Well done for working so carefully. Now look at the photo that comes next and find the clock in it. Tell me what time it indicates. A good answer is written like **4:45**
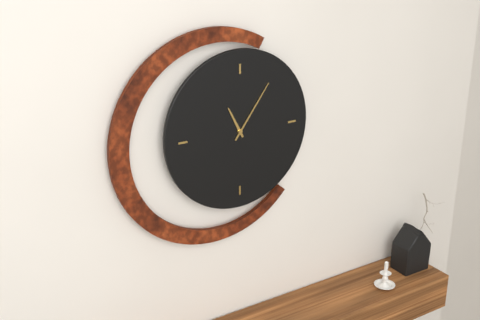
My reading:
**11:06**
